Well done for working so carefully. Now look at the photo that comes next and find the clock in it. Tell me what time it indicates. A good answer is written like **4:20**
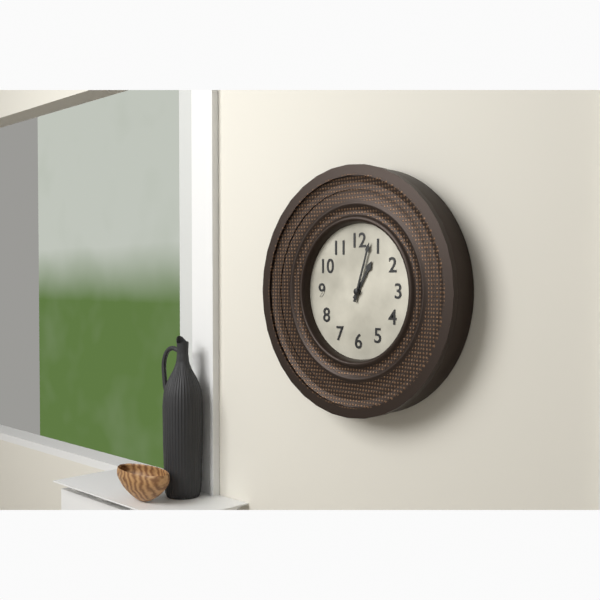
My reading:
**1:03**
